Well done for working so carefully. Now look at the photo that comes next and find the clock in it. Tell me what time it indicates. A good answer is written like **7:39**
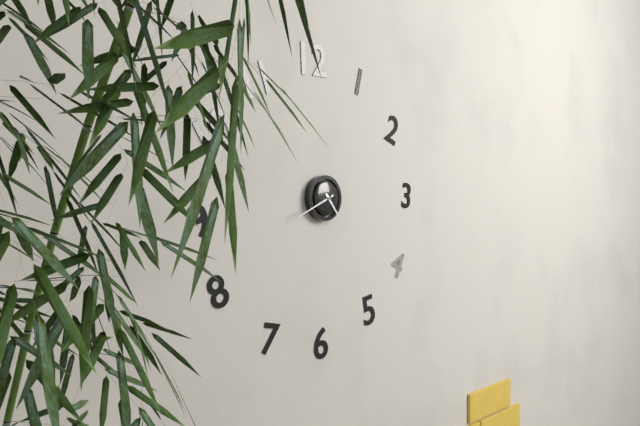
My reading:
**4:41**
